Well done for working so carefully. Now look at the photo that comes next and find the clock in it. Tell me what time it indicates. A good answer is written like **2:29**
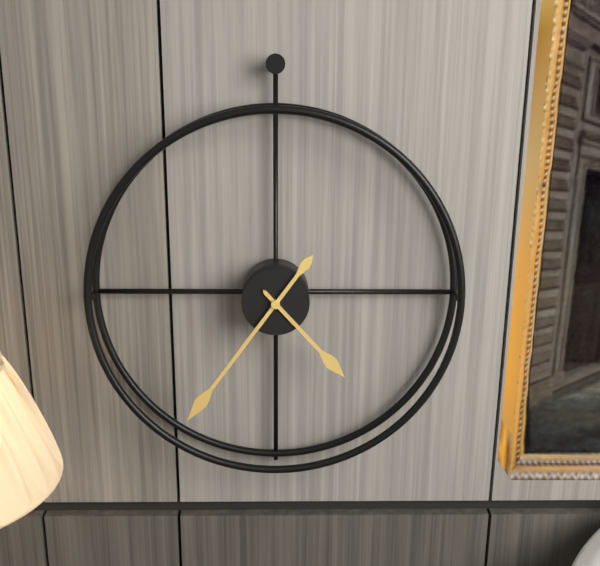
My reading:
**4:36**
